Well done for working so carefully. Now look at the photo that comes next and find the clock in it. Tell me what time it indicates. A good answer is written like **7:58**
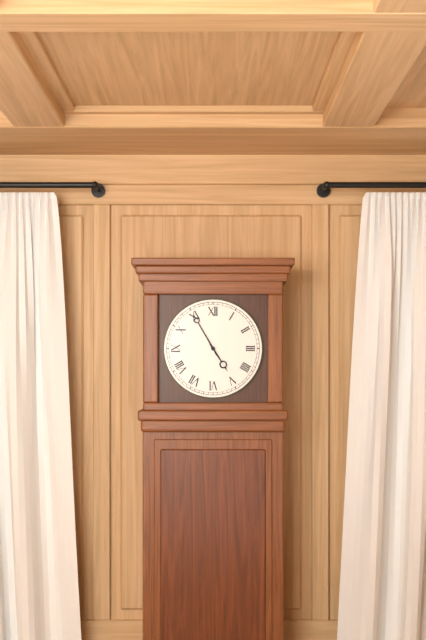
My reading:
**4:55**
